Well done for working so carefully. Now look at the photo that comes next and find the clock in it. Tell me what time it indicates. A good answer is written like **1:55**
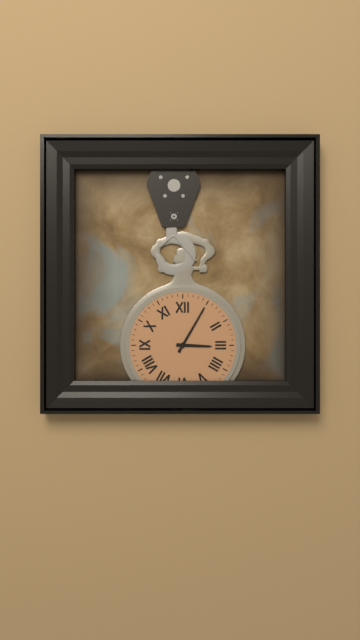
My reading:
**3:05**
